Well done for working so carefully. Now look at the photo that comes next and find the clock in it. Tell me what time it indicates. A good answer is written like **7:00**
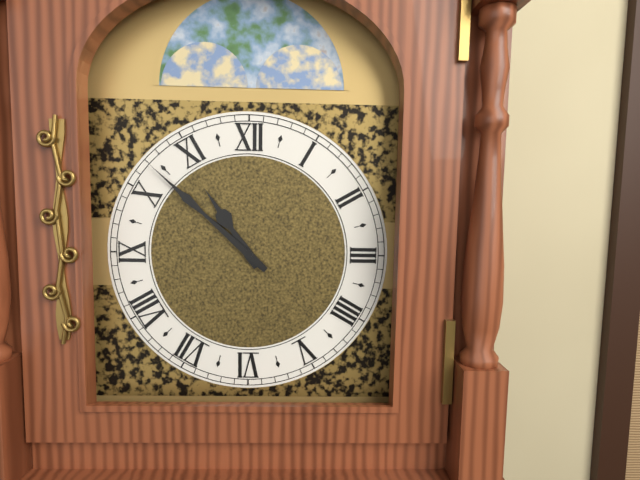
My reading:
**10:52**
